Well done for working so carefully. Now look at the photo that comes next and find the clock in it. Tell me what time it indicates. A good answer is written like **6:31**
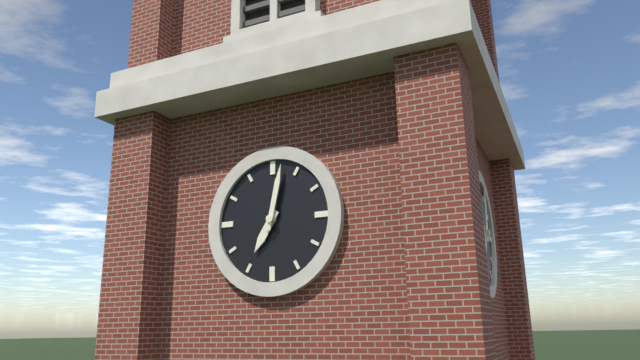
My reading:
**7:02**
